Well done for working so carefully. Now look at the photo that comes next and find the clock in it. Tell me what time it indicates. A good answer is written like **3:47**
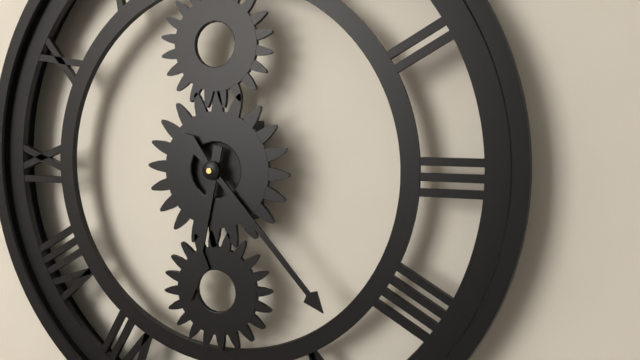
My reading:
**6:23**
